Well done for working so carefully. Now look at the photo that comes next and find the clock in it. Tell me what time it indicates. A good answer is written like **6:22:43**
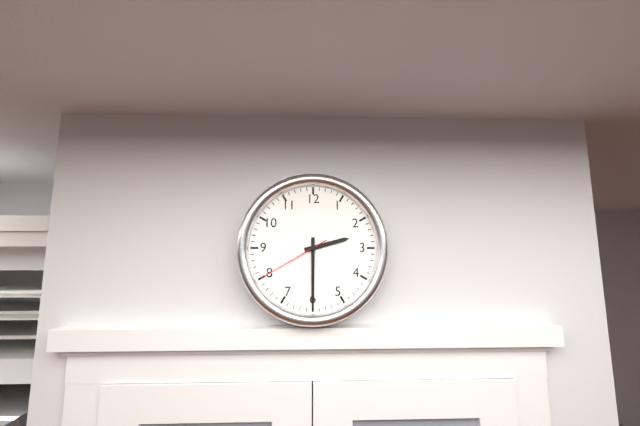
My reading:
**2:30:40**
